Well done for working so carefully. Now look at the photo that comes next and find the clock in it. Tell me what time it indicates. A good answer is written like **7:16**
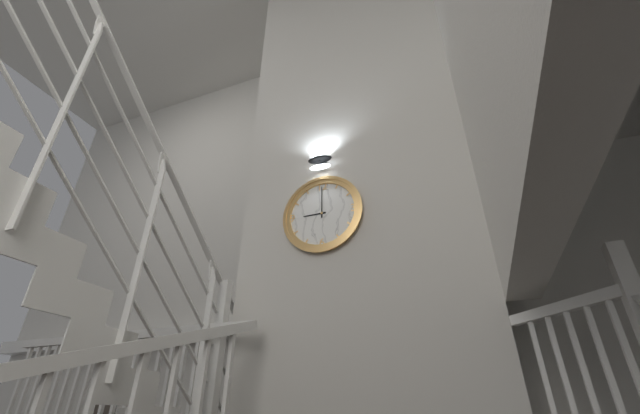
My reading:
**9:00**
